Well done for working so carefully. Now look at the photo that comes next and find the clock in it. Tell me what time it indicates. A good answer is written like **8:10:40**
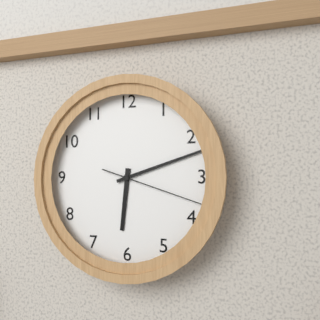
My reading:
**6:12:18**
